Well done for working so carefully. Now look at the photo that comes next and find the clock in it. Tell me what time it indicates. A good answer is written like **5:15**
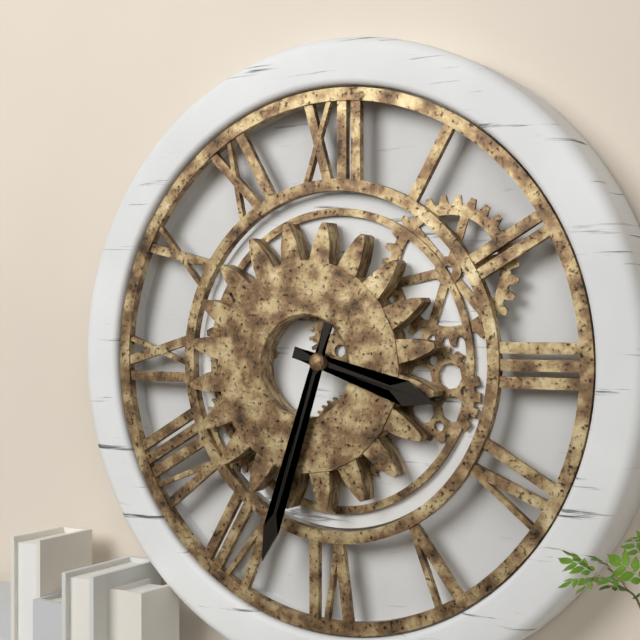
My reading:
**3:33**
